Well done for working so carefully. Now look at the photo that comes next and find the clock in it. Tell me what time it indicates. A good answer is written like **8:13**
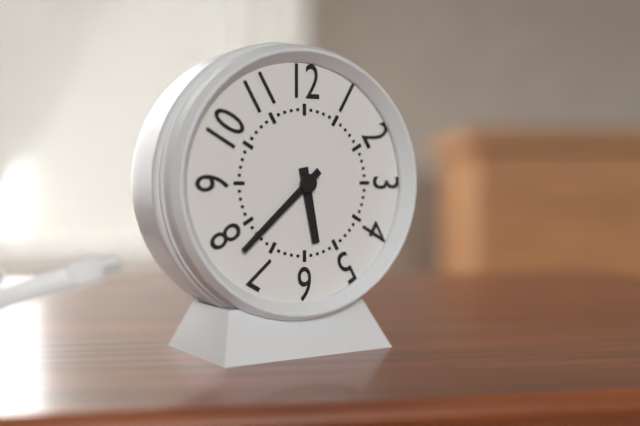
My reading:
**5:38**
